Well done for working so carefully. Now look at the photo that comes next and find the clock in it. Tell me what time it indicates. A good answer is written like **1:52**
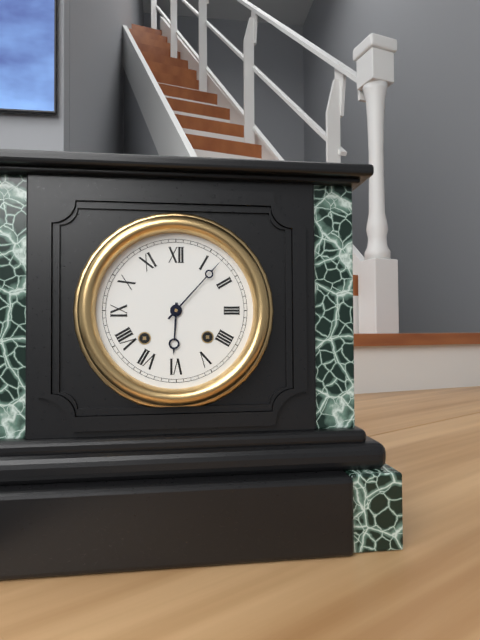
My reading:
**6:07**
